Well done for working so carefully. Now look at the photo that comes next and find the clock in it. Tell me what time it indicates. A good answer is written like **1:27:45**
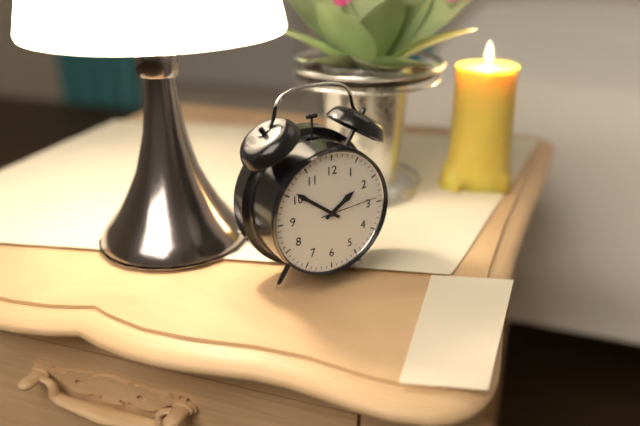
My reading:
**1:51:14**
